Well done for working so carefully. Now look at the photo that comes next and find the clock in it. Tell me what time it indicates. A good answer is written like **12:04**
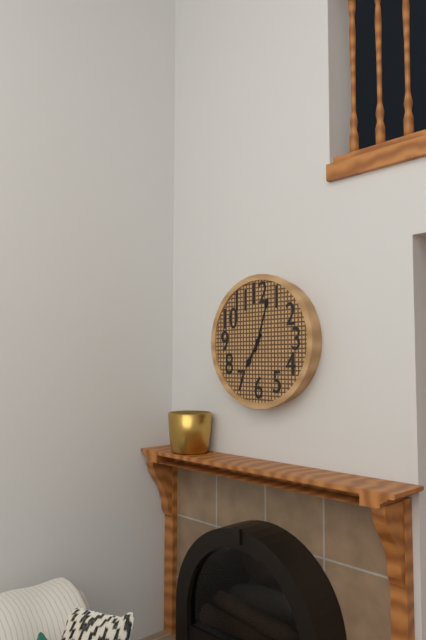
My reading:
**7:03**
